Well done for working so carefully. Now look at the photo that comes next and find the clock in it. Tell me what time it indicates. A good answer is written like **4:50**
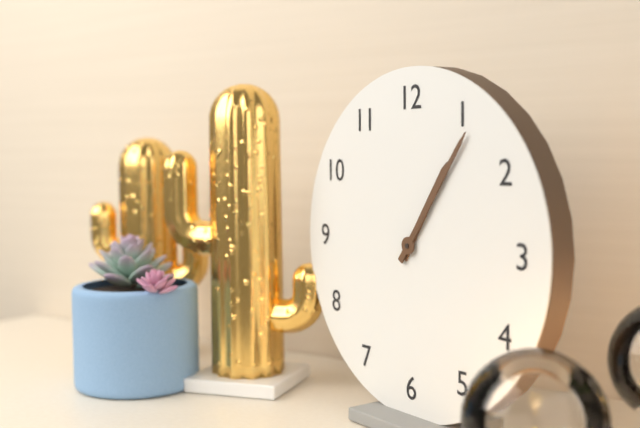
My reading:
**1:06**
